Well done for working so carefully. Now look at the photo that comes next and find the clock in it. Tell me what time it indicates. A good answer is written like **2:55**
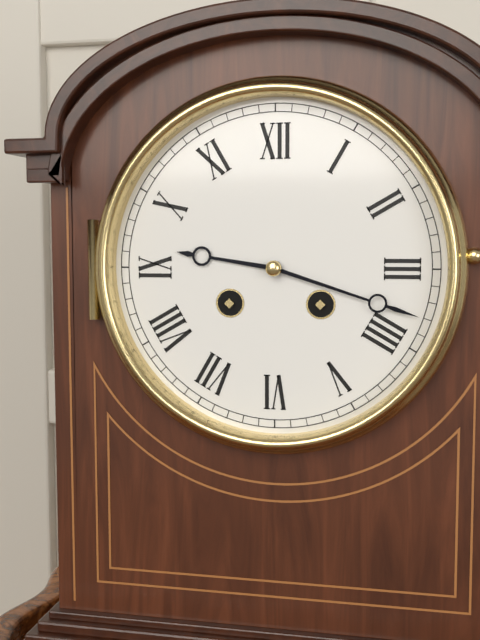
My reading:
**9:18**
